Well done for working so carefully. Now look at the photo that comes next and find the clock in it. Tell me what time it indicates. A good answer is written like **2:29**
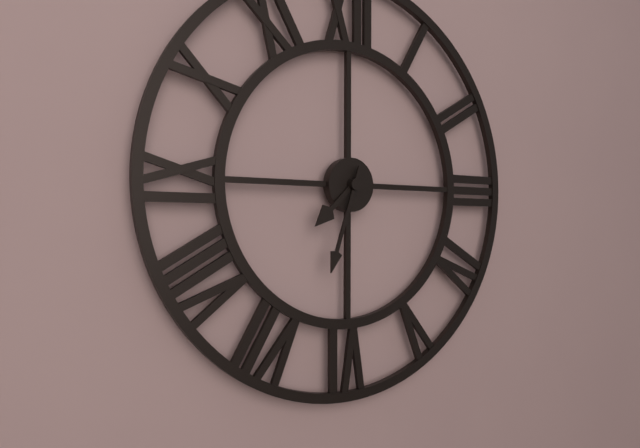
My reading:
**7:33**
